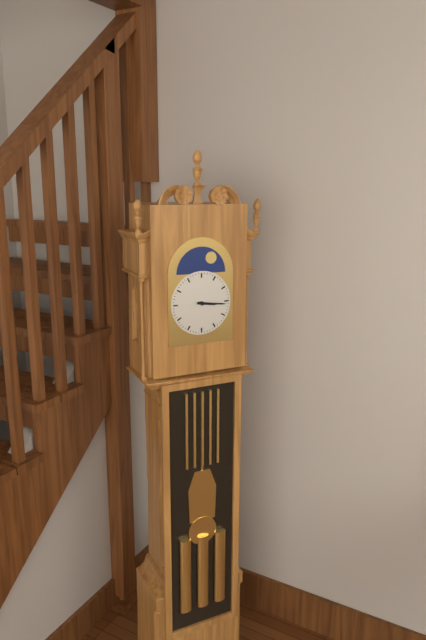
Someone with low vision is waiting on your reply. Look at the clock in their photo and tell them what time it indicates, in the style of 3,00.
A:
3,16
